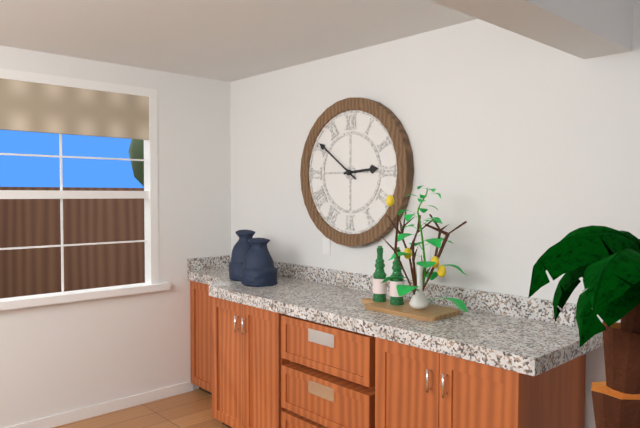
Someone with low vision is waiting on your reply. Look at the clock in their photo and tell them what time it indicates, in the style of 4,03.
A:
2,51
